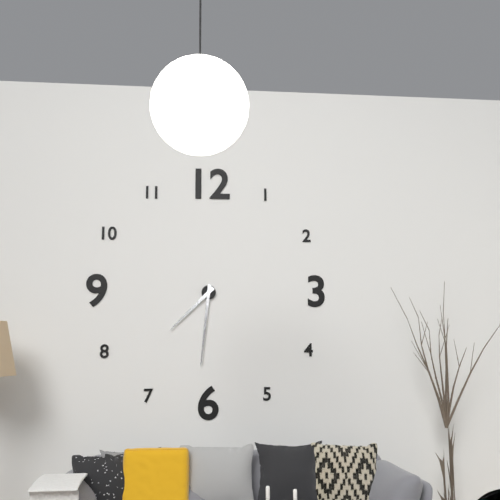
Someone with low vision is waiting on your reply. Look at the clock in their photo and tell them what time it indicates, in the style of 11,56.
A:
7,31
